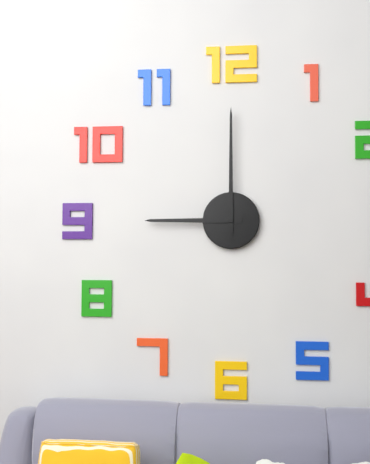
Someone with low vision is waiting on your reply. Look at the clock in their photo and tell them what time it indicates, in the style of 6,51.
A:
9,00
